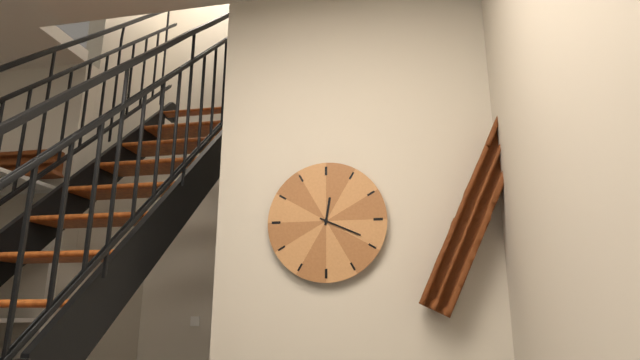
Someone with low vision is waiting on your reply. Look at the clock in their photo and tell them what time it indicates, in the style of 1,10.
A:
12,19
